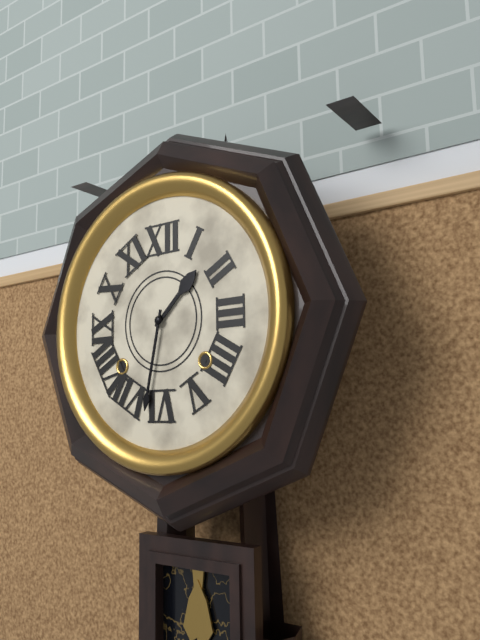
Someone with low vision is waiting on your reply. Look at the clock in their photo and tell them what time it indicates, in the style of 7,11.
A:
1,32
